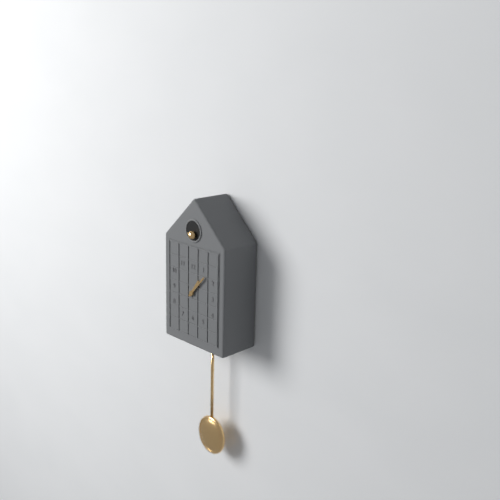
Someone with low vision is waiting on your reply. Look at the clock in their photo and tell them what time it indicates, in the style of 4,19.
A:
1,07
